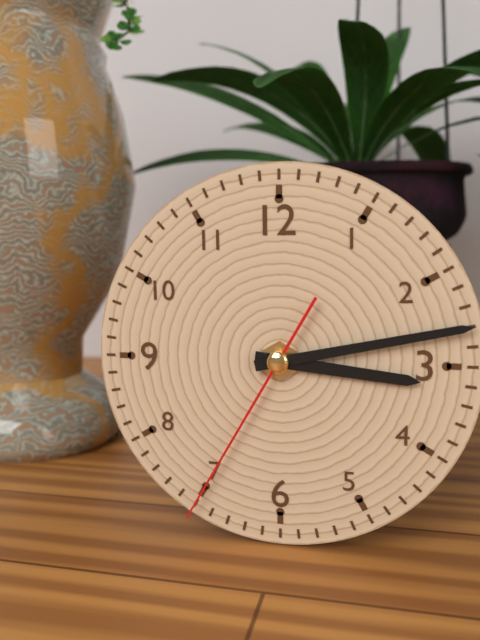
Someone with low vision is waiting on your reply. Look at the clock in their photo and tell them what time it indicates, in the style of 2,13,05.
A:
3,13,35
